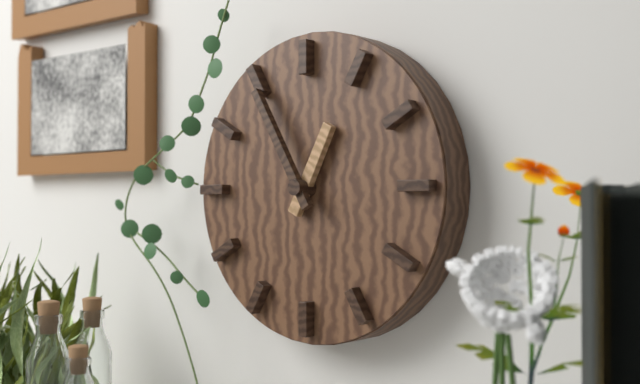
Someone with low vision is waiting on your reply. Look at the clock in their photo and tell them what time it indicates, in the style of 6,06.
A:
12,55
